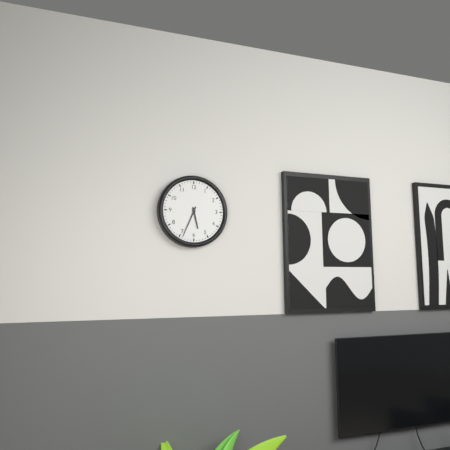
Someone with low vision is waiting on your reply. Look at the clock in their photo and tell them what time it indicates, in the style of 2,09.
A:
5,34
